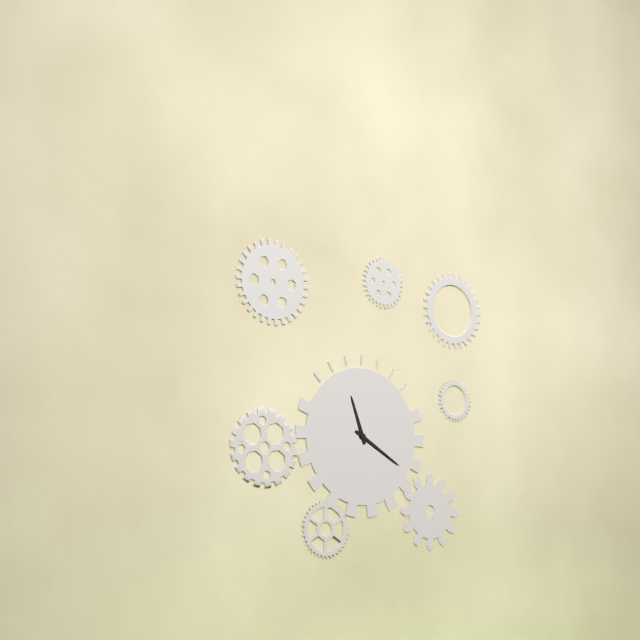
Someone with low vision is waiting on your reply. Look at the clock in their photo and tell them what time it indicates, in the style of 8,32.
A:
11,20
